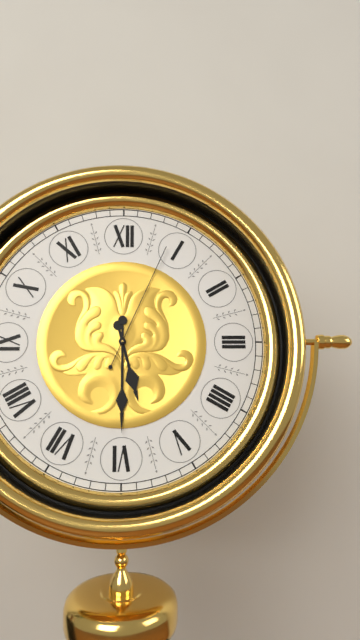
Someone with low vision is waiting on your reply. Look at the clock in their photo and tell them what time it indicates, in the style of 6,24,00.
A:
5,30,04
